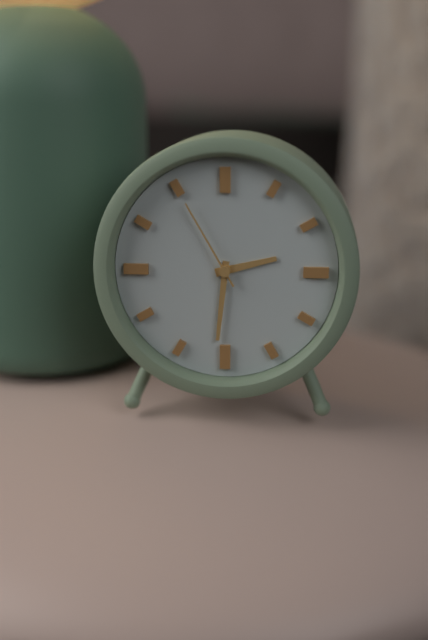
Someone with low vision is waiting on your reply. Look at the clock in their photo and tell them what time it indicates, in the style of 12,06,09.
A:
2,31,55
